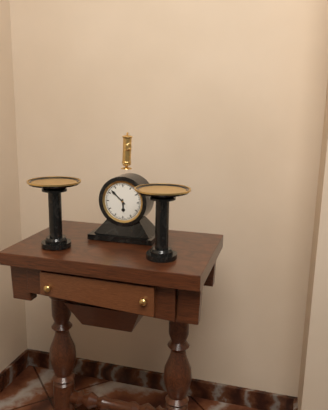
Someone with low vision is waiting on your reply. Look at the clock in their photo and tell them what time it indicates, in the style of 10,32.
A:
5,52
